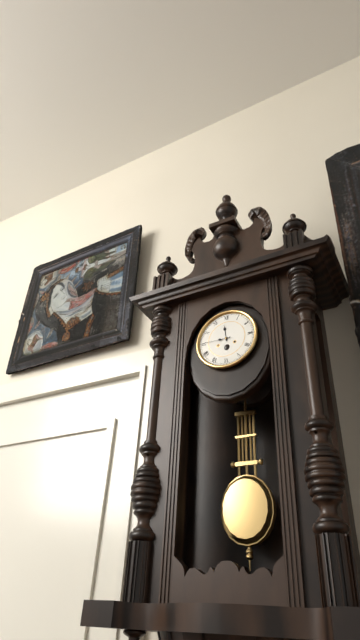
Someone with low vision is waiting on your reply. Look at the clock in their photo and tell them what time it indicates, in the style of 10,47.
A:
11,45
